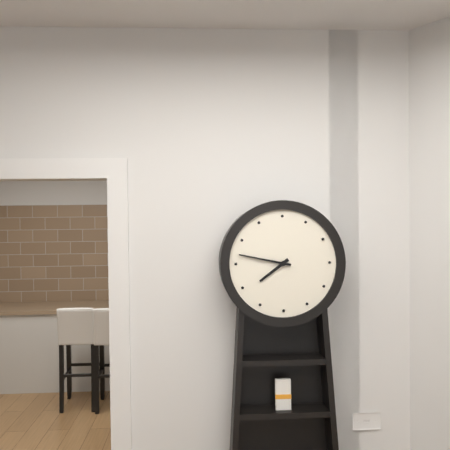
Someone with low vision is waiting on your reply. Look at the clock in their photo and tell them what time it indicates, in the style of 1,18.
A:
7,47
